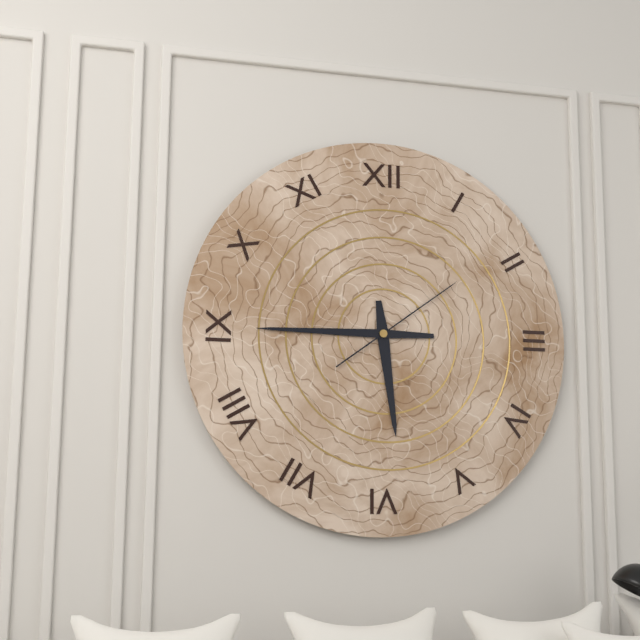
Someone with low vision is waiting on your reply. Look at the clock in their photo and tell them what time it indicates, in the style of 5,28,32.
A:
5,45,09
